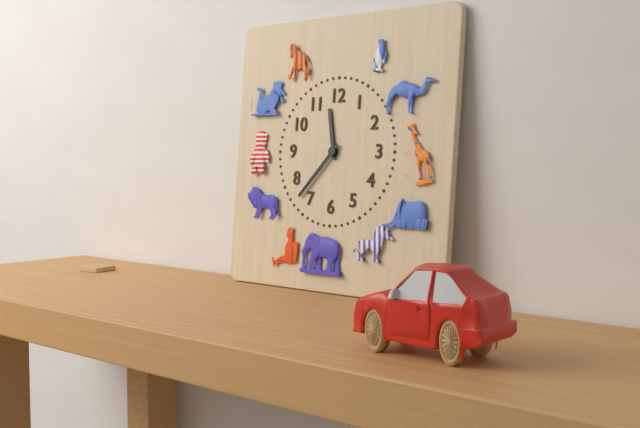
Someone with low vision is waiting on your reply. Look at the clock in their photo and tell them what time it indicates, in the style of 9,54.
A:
11,37
